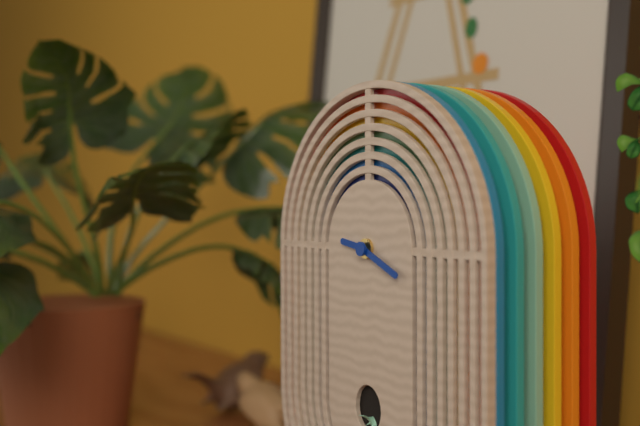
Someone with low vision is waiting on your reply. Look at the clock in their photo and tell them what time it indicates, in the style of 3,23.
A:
9,19
